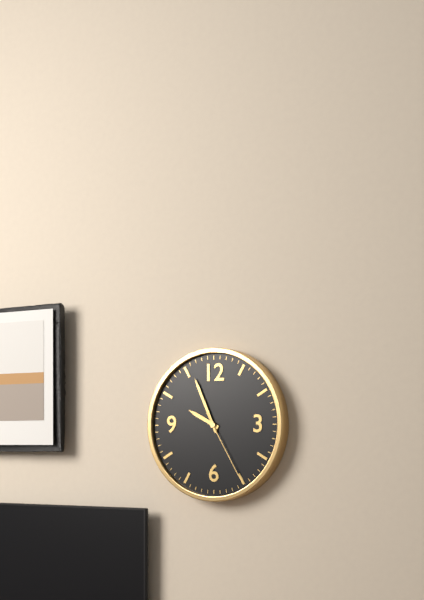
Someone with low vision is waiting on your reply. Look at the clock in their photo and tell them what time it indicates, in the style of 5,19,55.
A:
9,56,25
